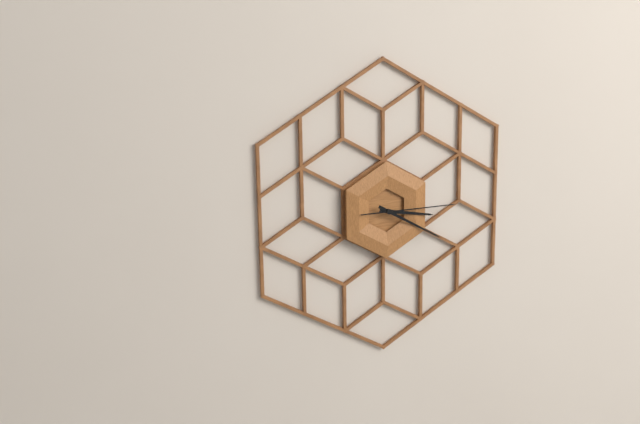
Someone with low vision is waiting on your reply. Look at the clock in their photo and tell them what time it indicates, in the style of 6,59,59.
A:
3,20,15
